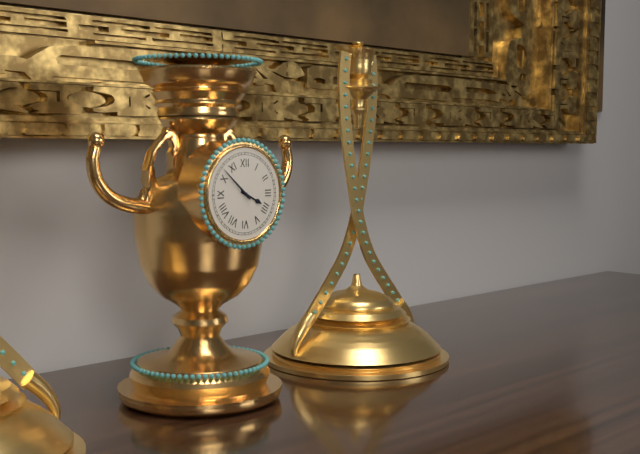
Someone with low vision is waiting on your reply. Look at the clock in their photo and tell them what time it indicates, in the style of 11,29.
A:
3,52
